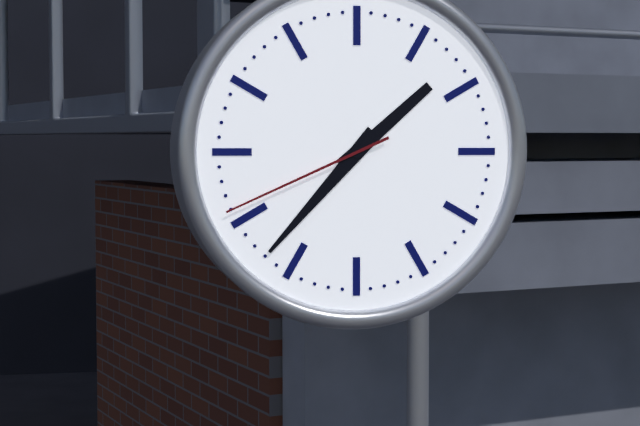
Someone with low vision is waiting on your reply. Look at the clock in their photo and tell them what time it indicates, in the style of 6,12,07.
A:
1,37,41
